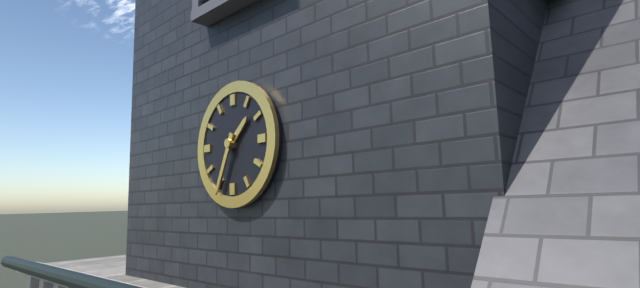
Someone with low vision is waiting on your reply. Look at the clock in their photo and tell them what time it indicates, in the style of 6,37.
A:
1,34
